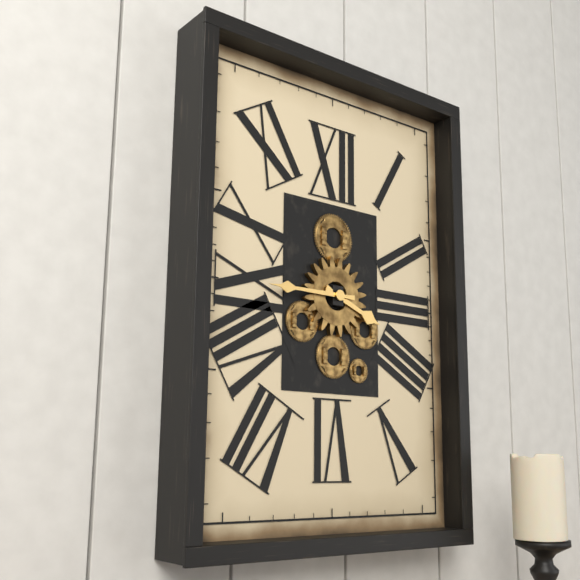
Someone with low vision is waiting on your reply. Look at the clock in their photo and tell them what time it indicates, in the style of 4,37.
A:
3,45
